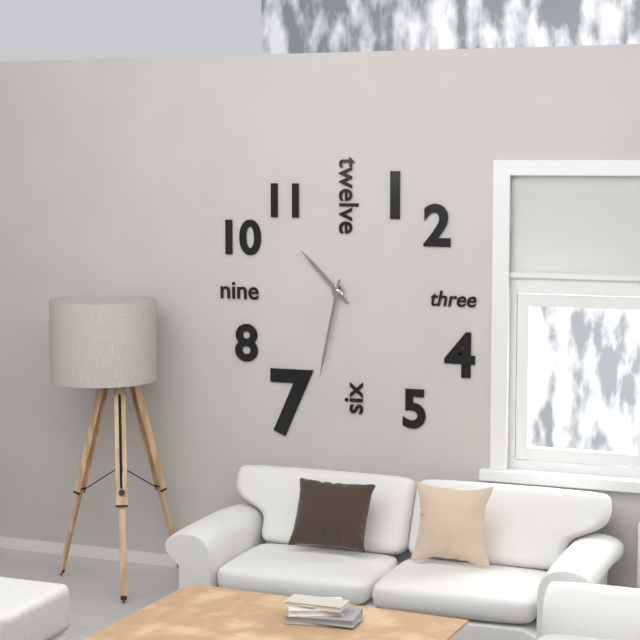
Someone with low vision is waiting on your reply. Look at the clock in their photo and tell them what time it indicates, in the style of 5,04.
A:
10,32
